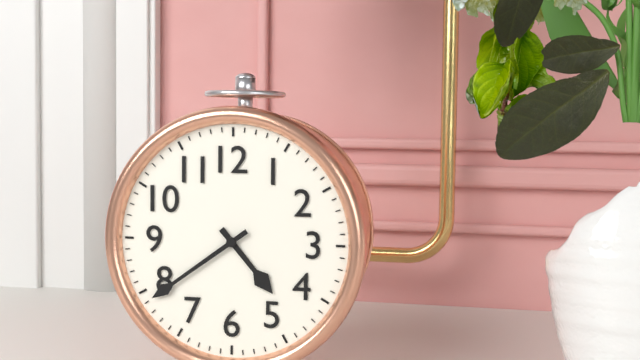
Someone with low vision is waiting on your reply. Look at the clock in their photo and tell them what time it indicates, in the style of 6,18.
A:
4,39
